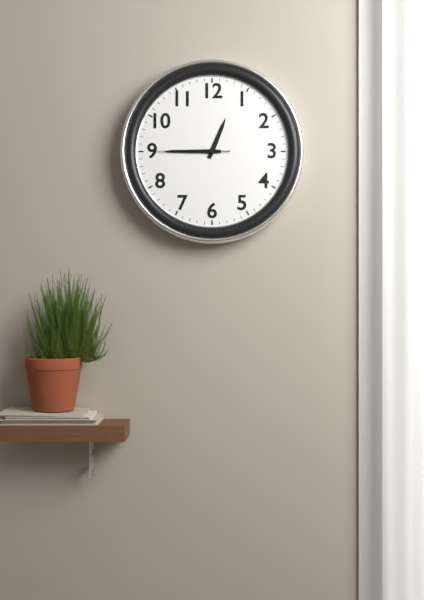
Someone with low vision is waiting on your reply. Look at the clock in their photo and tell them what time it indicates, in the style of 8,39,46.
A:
12,45,45
